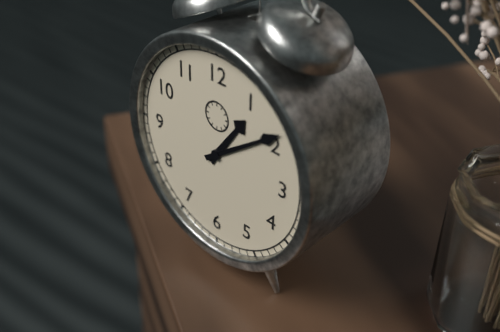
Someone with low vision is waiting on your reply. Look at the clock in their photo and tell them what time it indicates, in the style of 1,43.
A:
1,09
